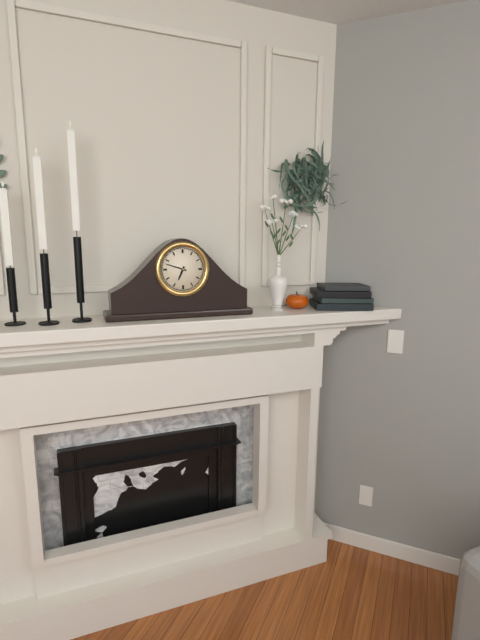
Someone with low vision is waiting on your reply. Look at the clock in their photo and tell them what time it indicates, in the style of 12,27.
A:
6,48
